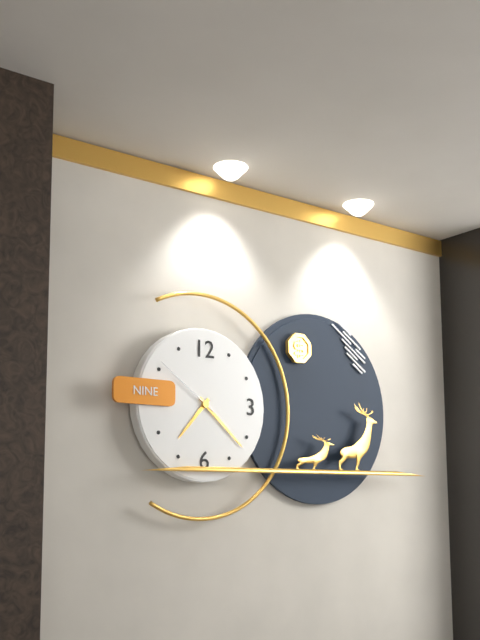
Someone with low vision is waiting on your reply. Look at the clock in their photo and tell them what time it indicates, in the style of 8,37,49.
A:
7,22,51
